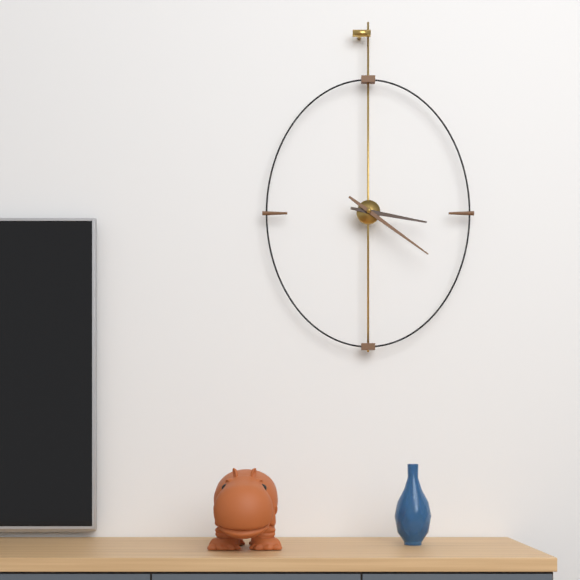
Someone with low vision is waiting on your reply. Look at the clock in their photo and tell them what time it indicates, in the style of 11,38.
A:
3,21
